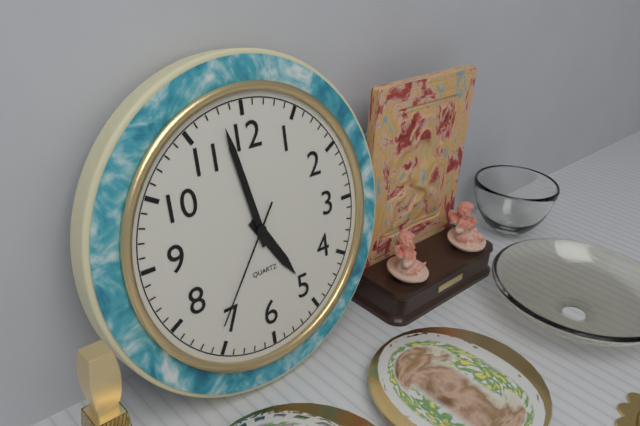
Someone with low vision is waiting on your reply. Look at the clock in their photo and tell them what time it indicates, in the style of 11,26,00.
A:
4,58,36
